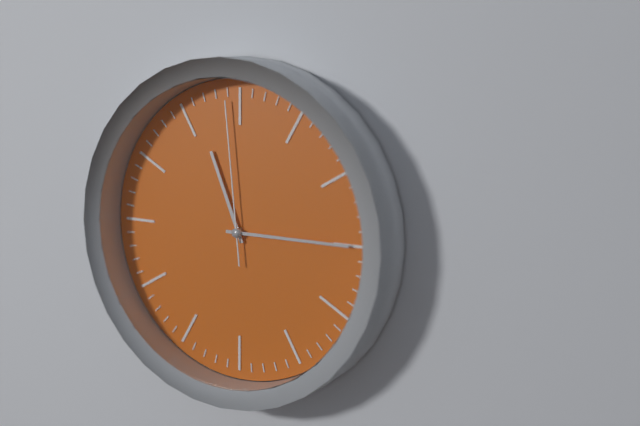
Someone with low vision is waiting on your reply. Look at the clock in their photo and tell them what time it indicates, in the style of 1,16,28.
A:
11,15,59
